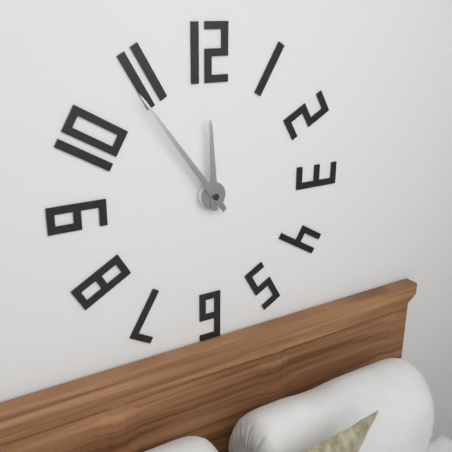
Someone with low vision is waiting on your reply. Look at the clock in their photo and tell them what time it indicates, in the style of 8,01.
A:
11,54
